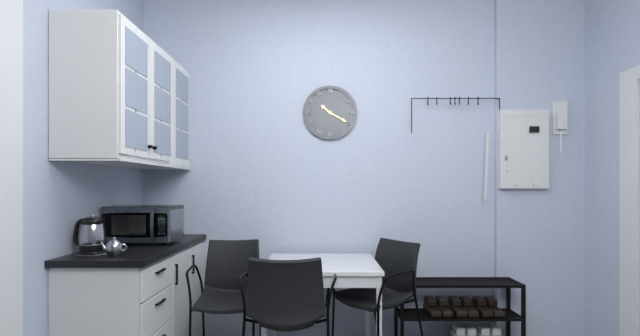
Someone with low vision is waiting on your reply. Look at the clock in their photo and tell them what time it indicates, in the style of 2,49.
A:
10,20
